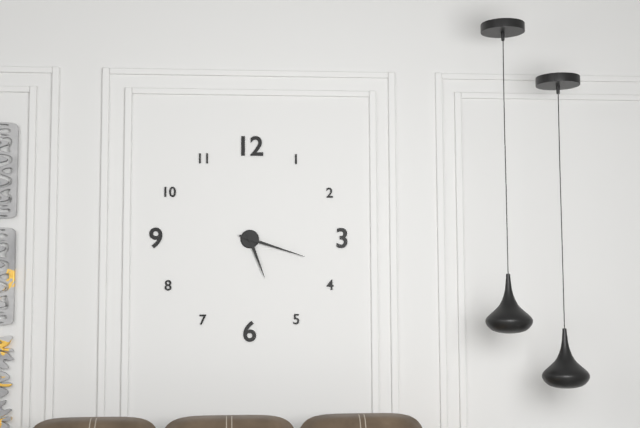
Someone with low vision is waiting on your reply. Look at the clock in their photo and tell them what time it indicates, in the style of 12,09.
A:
5,18
